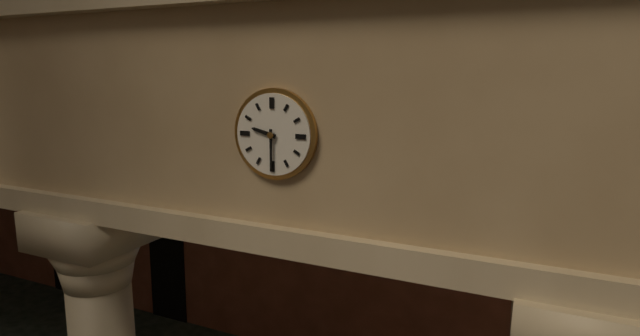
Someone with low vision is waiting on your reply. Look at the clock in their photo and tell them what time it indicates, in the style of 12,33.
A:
9,30
